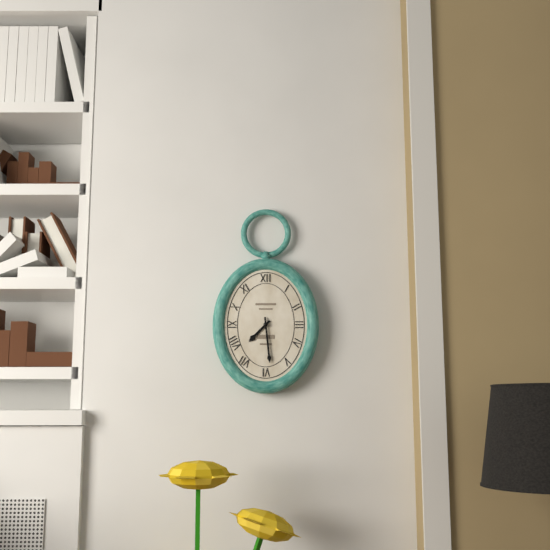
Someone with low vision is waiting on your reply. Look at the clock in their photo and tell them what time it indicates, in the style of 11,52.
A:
7,29
